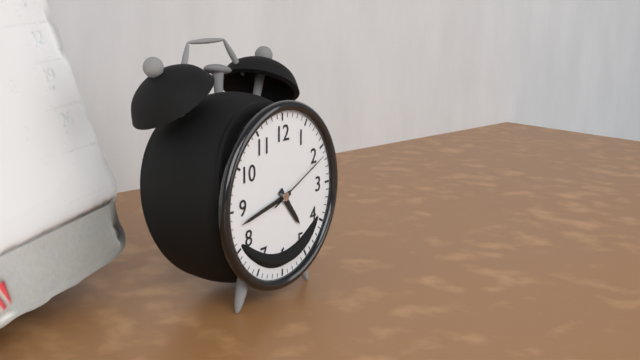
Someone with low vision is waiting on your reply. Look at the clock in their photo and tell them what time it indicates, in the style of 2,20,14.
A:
4,43,11
